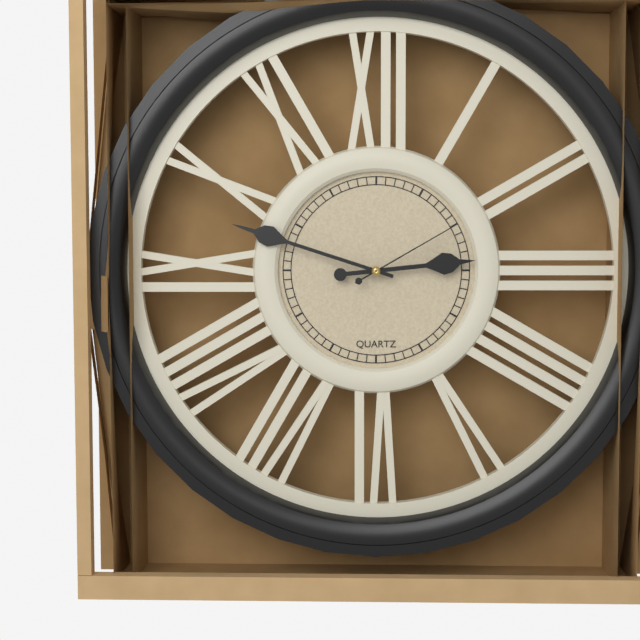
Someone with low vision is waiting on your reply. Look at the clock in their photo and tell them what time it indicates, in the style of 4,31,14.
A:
2,48,10
